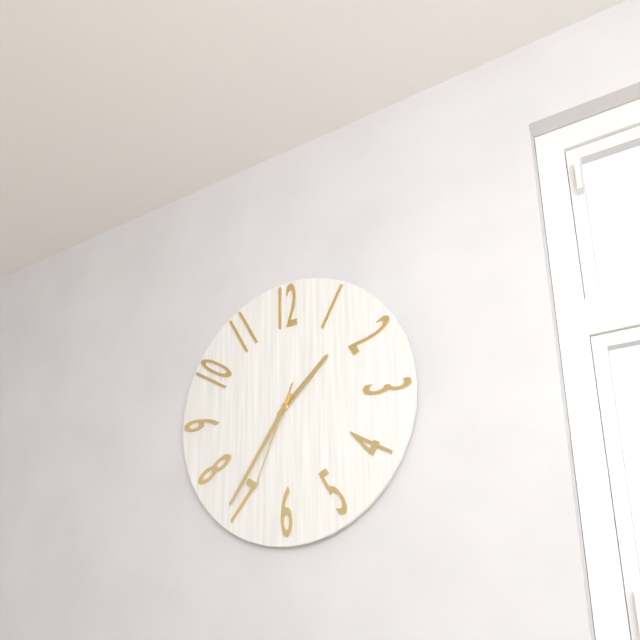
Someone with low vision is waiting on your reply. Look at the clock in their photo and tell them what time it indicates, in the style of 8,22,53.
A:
1,36,34
